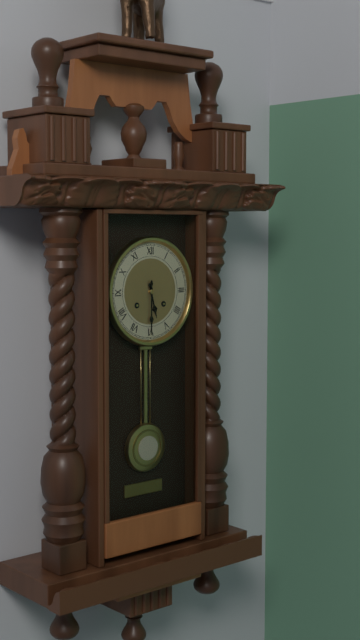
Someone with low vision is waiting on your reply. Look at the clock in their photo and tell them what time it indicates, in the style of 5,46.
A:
5,30
